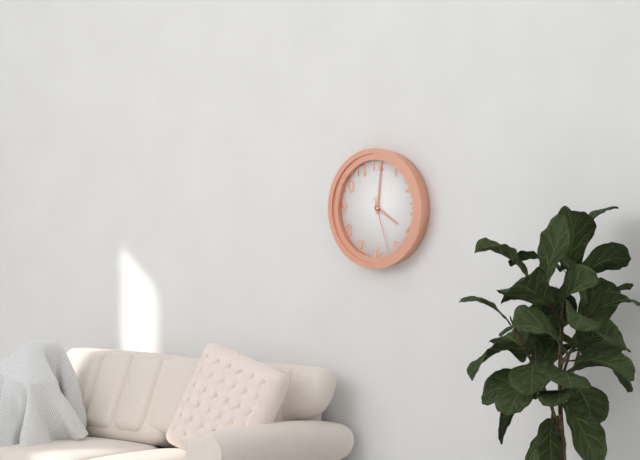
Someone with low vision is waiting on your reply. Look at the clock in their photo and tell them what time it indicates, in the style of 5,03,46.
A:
4,01,27
